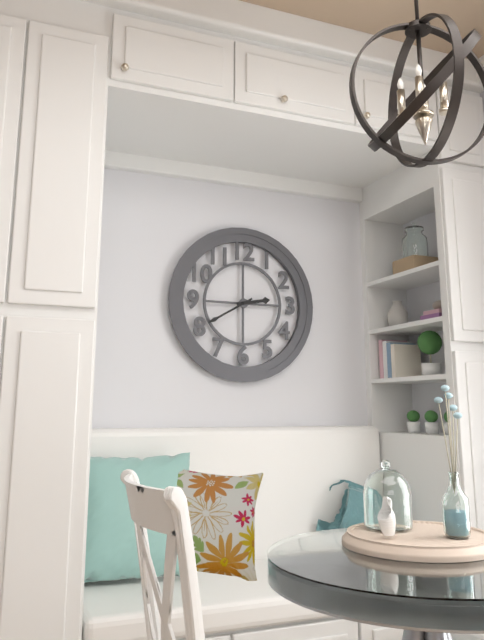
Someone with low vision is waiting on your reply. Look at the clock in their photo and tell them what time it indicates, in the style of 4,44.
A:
2,40
